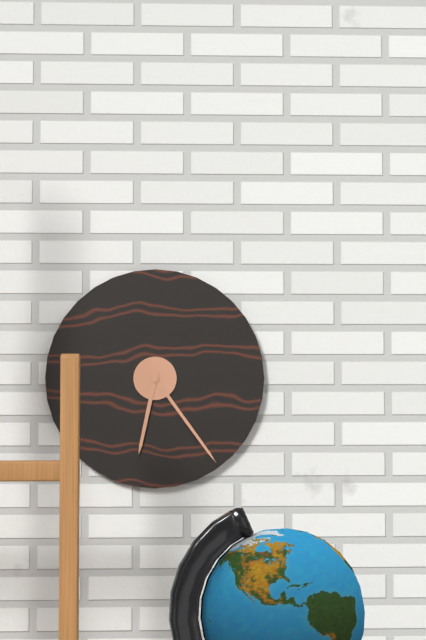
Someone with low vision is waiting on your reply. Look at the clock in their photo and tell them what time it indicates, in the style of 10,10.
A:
6,24
